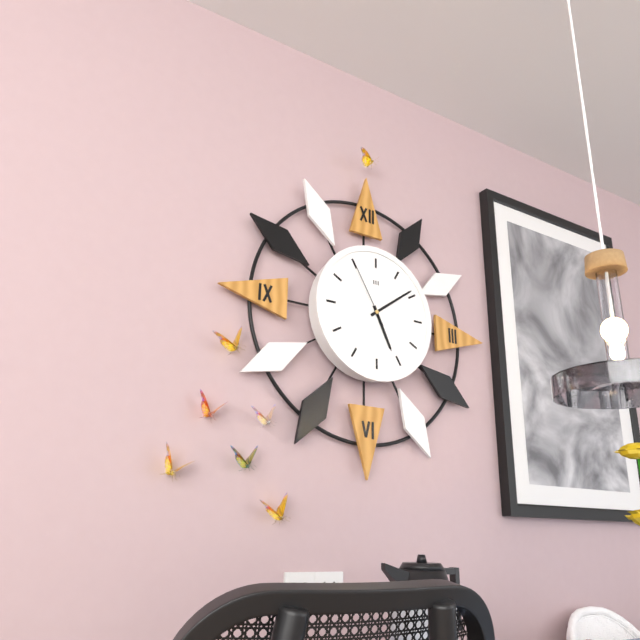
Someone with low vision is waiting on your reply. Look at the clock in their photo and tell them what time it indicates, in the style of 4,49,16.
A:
5,09,55
